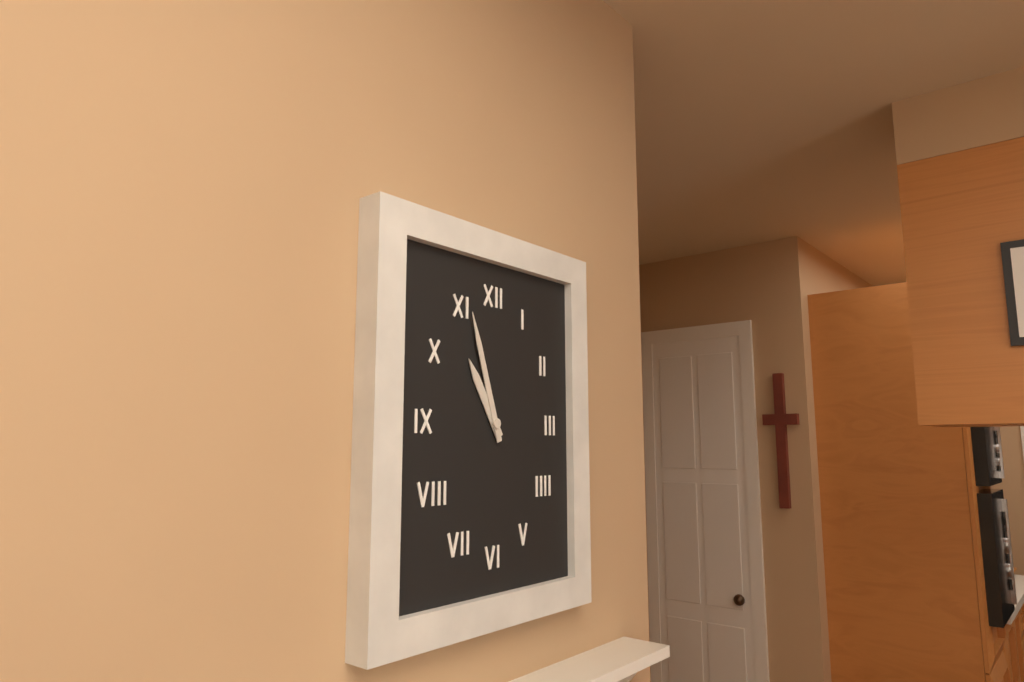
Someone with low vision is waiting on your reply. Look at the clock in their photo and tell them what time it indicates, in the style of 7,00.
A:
10,57
